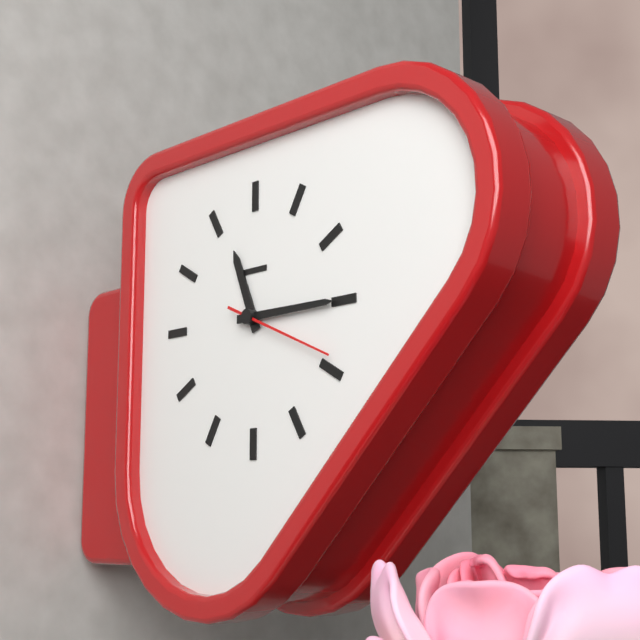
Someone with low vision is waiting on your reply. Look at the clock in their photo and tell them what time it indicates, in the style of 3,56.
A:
11,15
